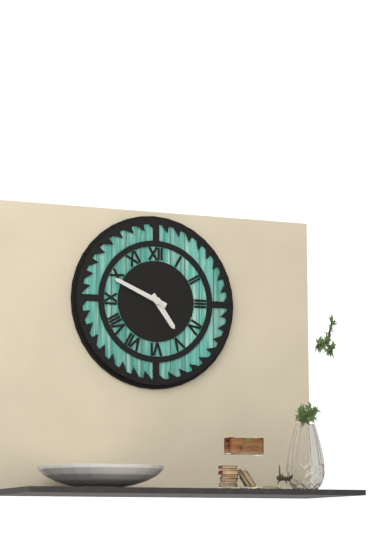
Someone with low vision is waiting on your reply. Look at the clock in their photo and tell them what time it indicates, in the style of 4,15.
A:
4,49
